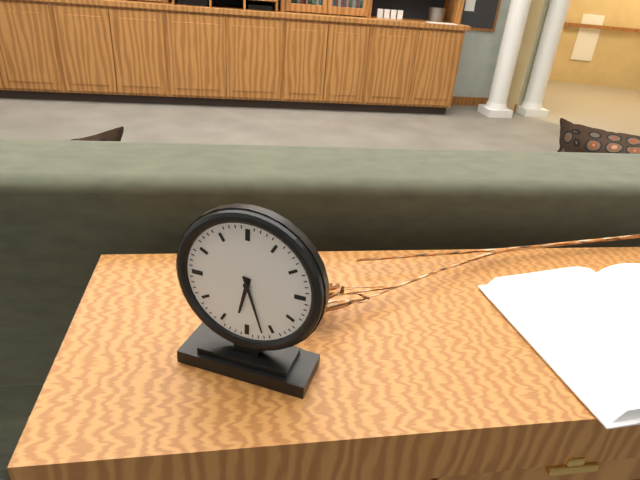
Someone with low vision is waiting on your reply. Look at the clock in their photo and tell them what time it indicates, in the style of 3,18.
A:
6,27
